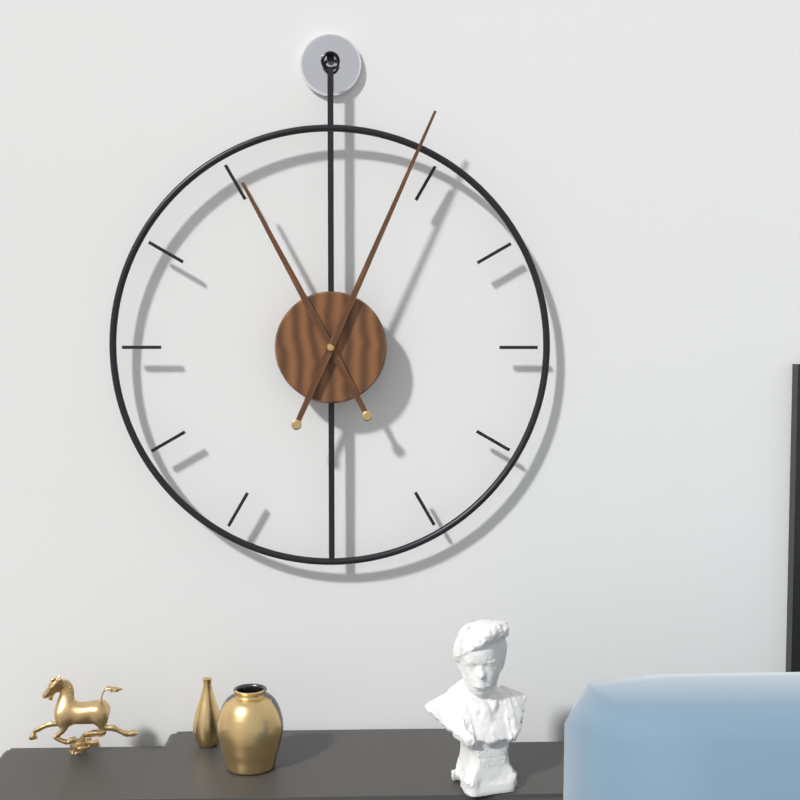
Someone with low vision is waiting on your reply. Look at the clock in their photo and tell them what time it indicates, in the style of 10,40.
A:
11,04
